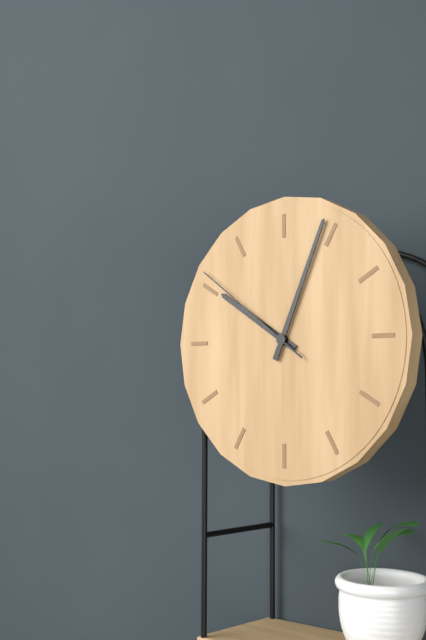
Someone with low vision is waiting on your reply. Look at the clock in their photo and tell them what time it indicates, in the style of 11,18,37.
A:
10,04,51
